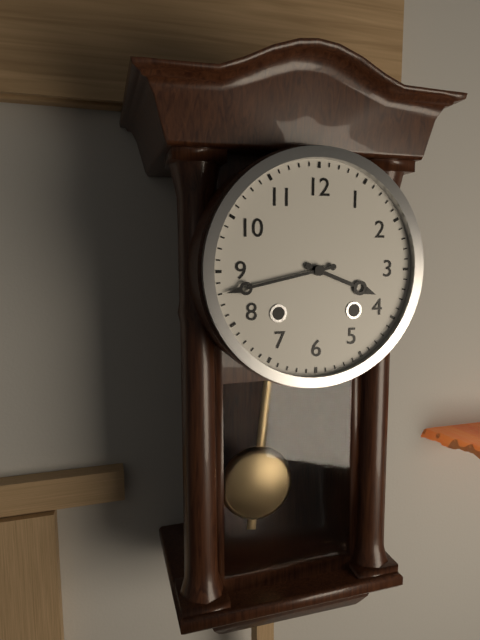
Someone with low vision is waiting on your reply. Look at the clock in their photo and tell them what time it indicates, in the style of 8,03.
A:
3,43
